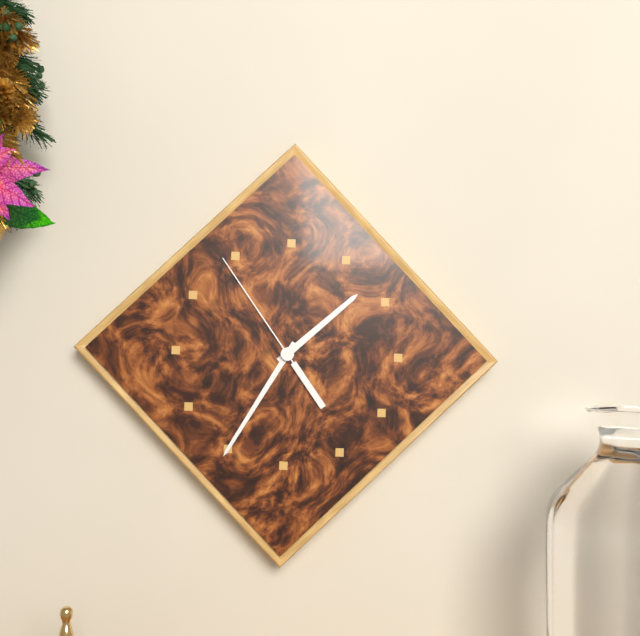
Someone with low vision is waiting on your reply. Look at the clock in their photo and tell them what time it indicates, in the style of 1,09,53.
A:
1,35,54
